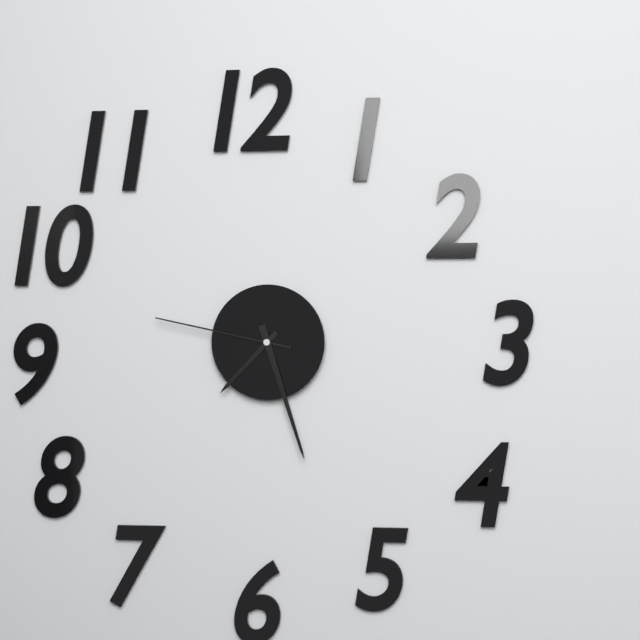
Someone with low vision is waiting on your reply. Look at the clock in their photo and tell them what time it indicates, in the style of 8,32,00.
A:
7,27,47
